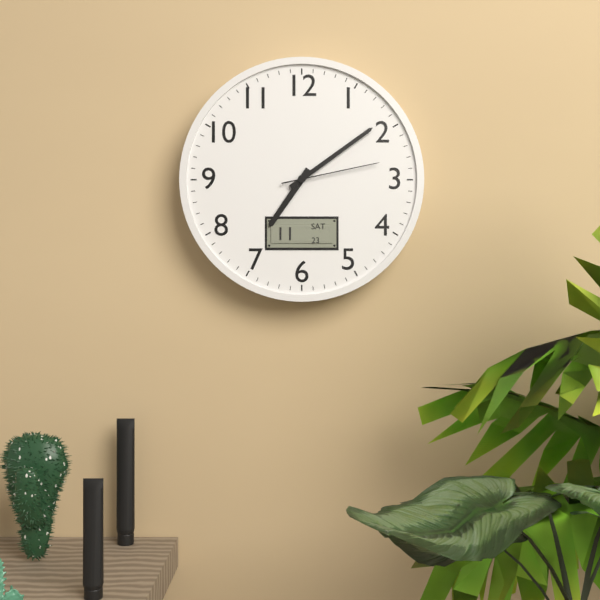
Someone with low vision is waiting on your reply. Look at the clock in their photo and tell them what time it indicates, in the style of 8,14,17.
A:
7,09,13
